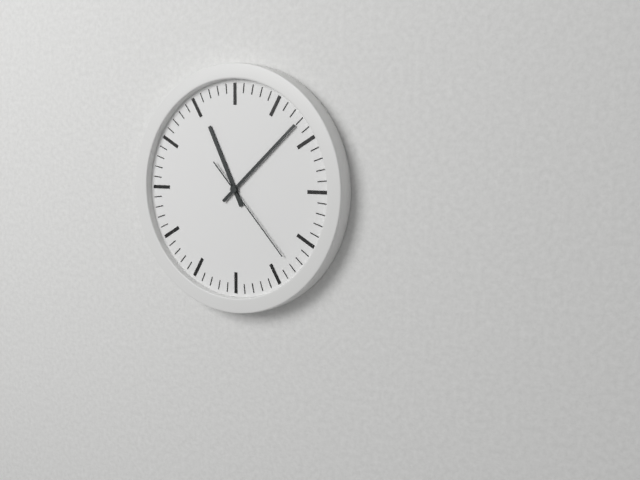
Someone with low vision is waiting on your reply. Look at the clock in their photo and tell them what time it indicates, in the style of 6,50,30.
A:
11,08,23
